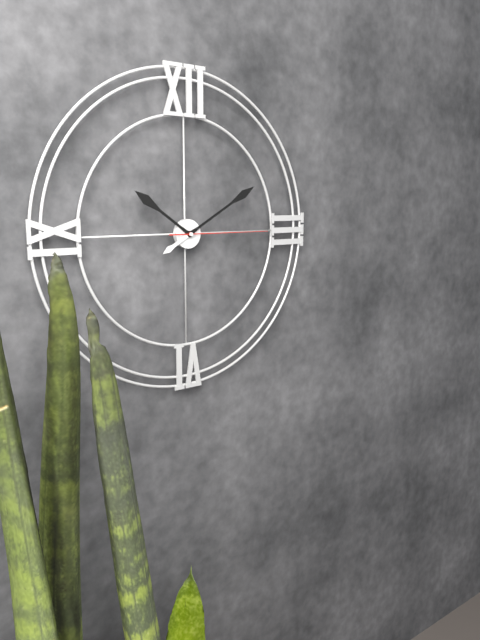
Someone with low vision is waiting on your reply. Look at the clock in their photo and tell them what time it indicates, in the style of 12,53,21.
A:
10,10,15
